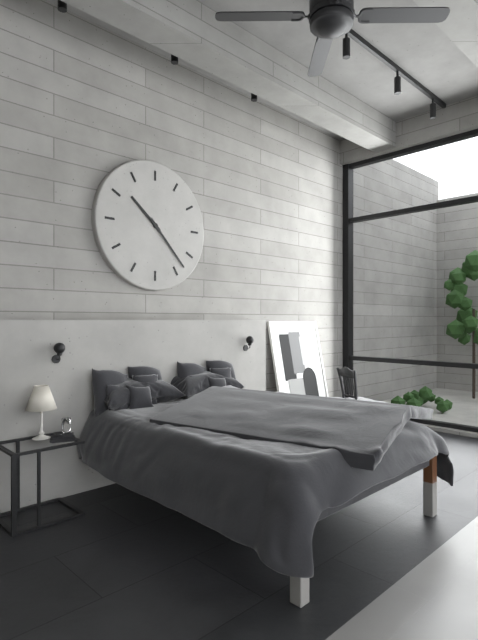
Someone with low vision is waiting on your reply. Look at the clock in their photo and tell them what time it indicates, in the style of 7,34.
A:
10,23
